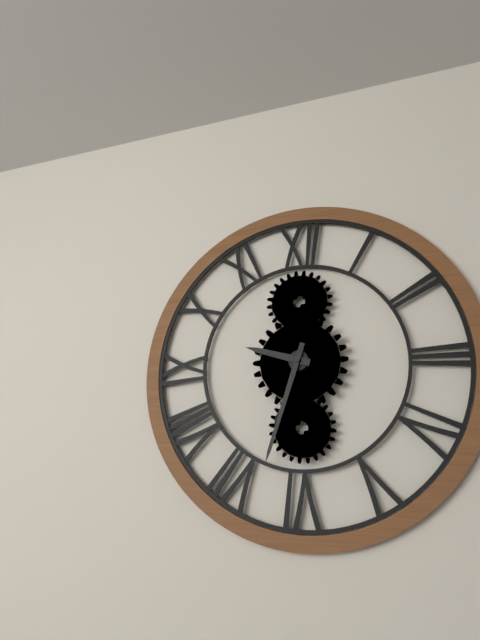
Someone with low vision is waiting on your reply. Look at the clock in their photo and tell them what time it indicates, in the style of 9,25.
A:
9,33
